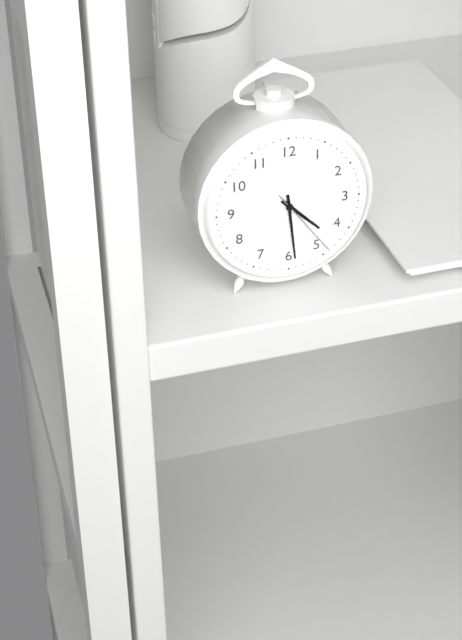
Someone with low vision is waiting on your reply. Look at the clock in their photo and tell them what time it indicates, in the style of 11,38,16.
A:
4,29,24
